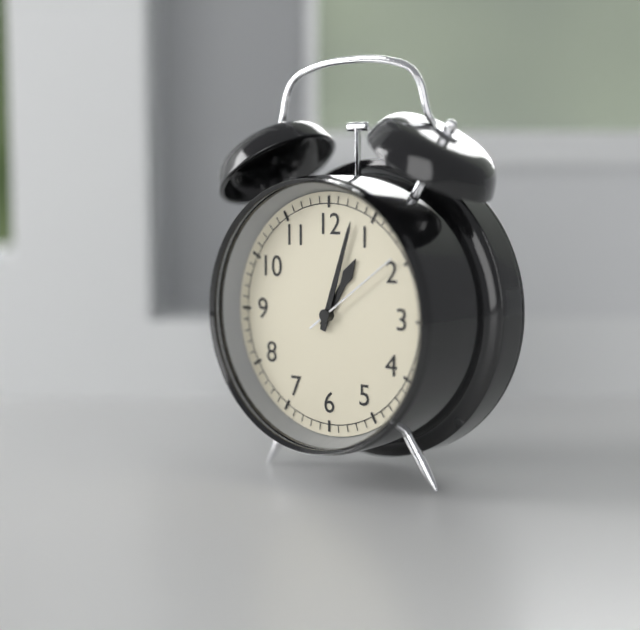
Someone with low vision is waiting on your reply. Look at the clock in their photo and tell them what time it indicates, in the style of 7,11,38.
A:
1,03,09
